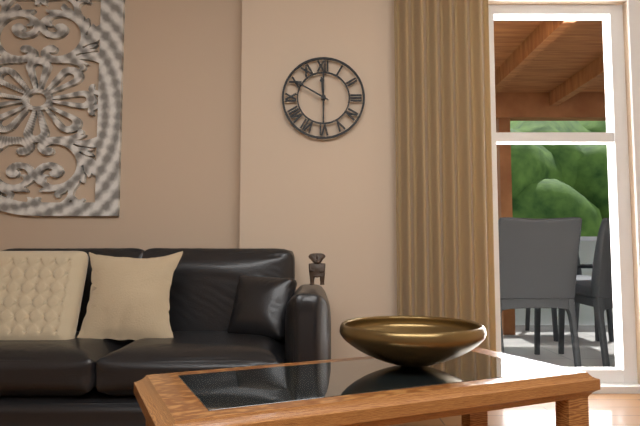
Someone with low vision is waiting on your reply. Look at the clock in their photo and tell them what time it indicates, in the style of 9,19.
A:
11,50
